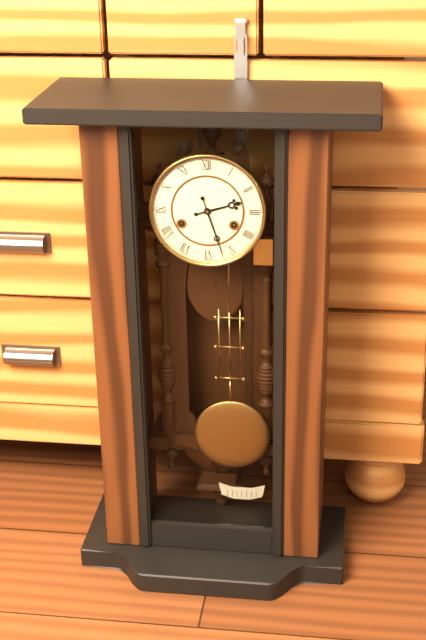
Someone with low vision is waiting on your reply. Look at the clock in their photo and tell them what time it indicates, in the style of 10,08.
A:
2,27
